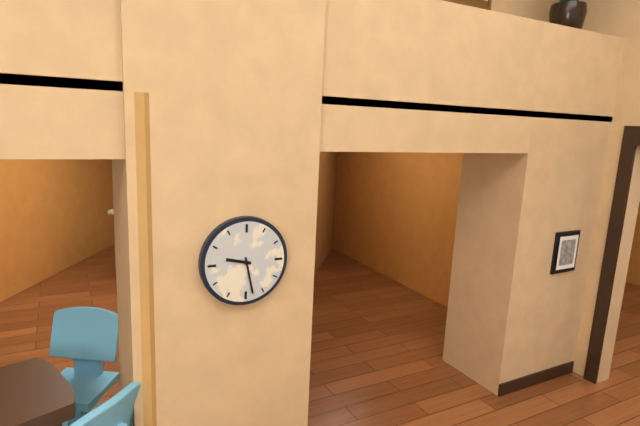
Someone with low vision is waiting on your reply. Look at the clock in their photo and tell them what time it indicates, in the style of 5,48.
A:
9,28
